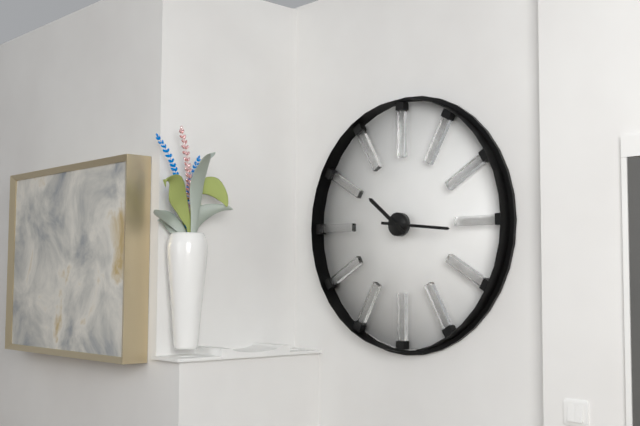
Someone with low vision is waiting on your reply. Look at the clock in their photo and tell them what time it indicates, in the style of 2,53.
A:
10,16
